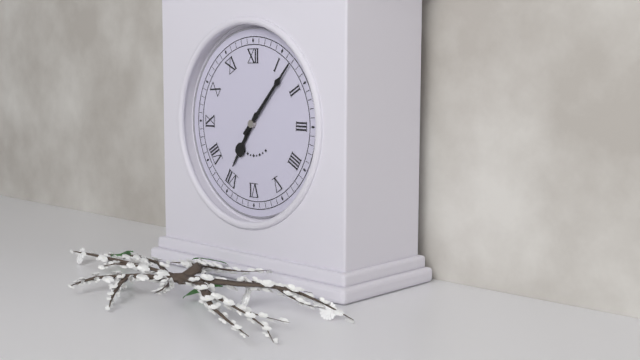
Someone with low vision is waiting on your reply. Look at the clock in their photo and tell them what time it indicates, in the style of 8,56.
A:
7,07
